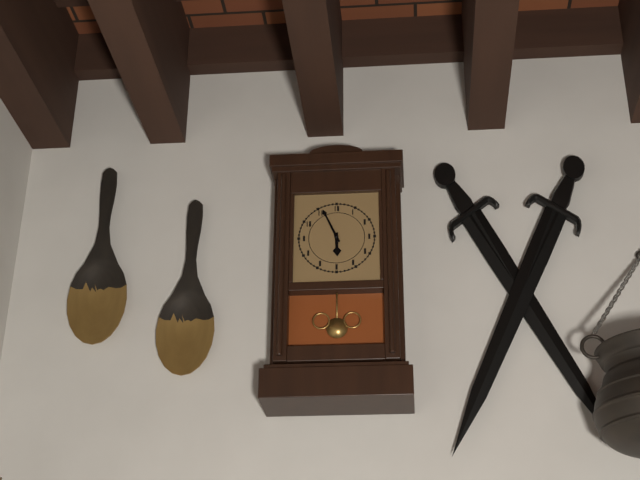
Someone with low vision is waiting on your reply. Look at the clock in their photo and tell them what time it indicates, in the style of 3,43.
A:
5,56
